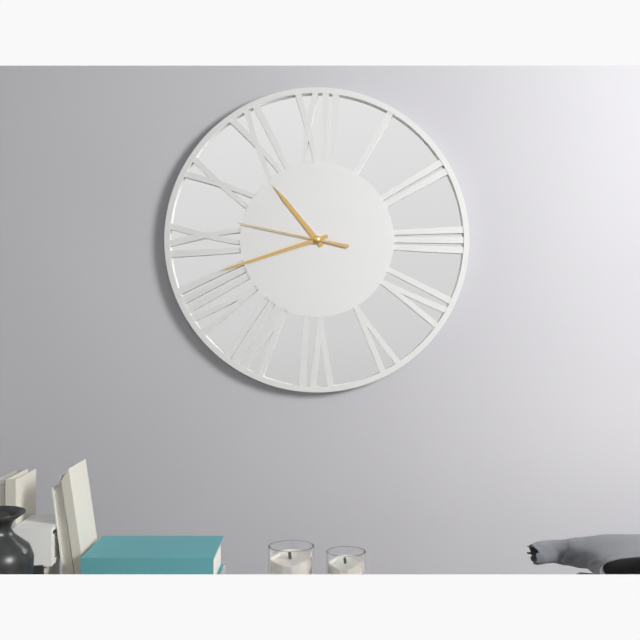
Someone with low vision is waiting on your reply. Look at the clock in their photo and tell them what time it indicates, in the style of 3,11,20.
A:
10,42,47
